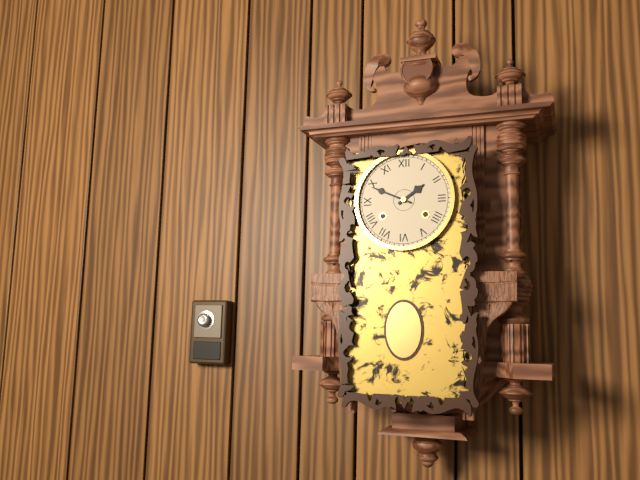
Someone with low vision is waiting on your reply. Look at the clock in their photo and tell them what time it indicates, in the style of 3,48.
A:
1,49
